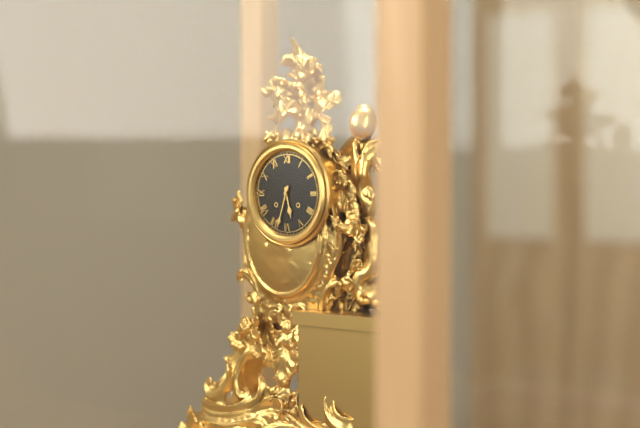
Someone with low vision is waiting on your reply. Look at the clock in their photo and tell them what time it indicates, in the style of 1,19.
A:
5,33
